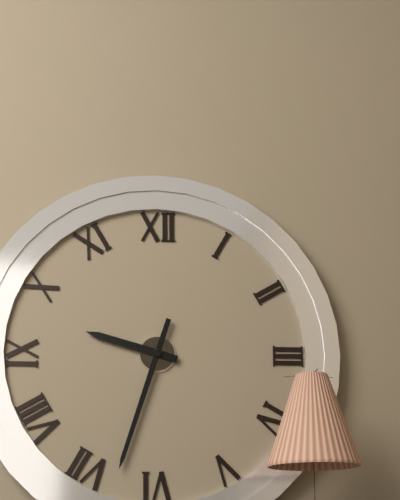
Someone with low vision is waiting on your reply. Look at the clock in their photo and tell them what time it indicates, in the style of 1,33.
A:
9,33
